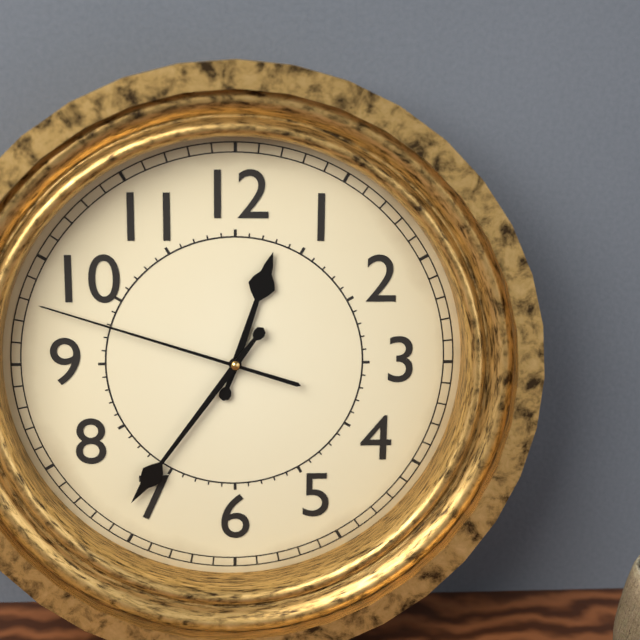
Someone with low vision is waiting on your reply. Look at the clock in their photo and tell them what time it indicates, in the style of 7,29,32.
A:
12,36,48
